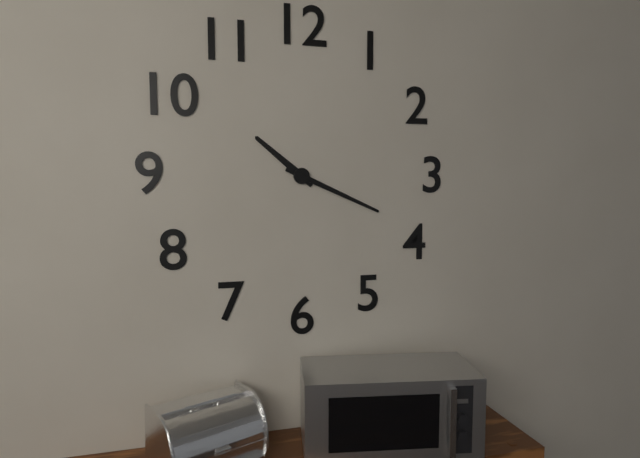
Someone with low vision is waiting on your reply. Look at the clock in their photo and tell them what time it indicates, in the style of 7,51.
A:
10,19
